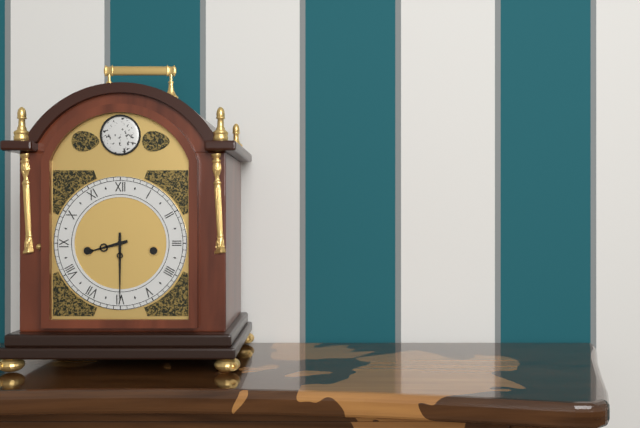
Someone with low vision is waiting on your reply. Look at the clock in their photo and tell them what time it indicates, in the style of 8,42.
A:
8,30
